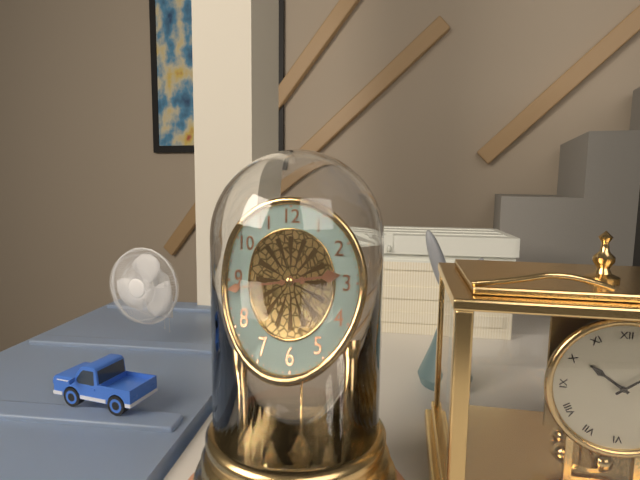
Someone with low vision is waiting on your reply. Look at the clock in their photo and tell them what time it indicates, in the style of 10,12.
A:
2,44
